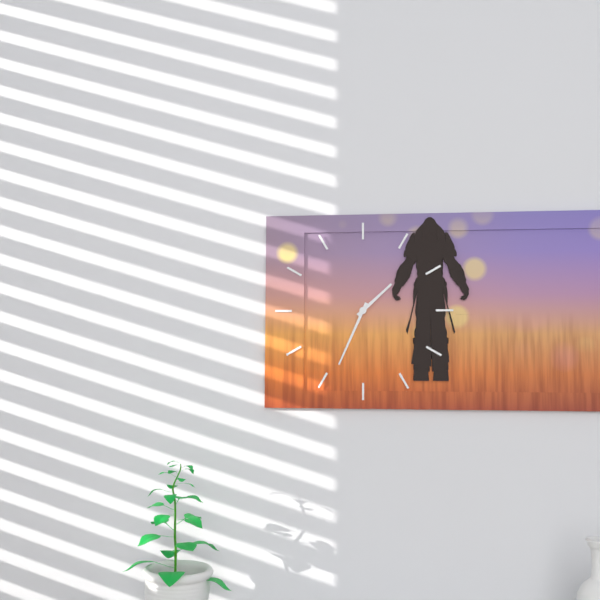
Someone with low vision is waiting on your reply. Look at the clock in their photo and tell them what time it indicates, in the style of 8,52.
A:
1,34
